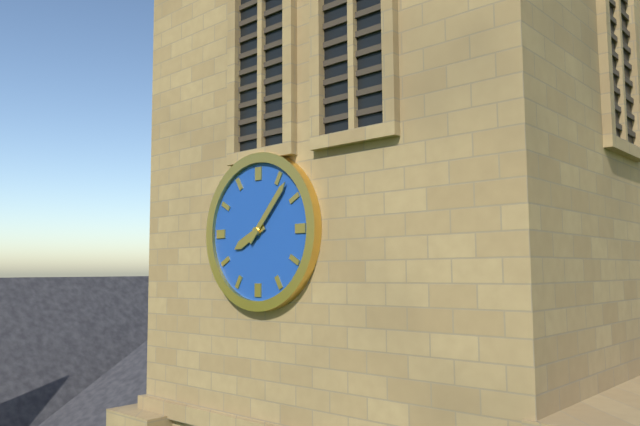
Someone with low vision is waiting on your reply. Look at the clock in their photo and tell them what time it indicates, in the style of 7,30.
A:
8,07
